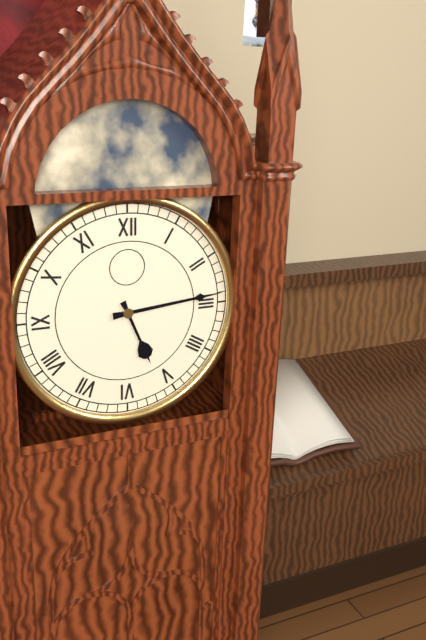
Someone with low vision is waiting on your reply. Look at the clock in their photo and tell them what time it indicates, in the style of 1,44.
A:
5,14
